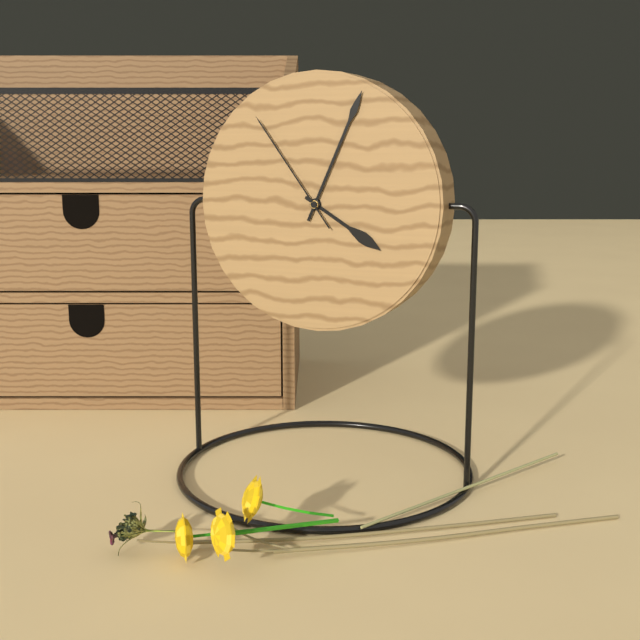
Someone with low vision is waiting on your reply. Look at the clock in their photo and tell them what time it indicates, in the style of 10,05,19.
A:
4,04,54
